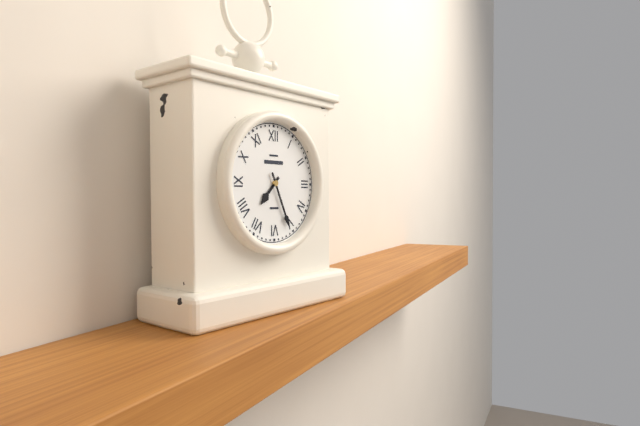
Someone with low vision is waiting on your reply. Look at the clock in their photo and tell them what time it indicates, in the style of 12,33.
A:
7,26
